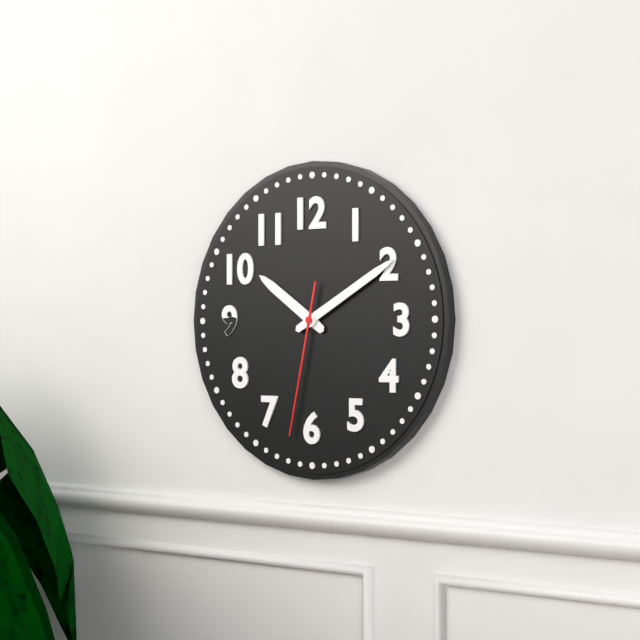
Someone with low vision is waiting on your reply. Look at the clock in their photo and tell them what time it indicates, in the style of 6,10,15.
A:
10,10,32
